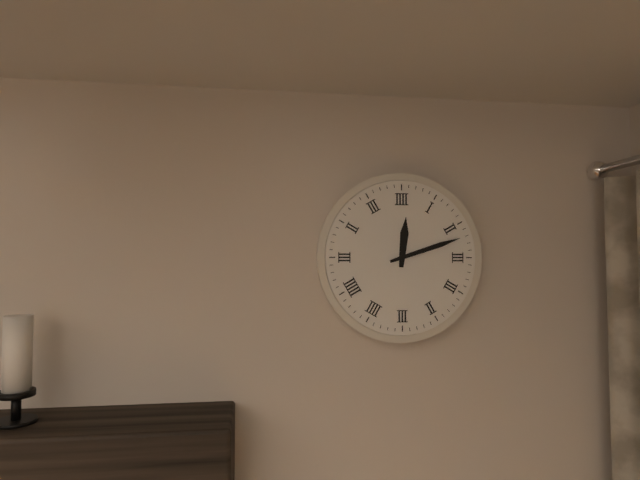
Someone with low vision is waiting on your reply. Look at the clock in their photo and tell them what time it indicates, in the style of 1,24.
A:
12,12
